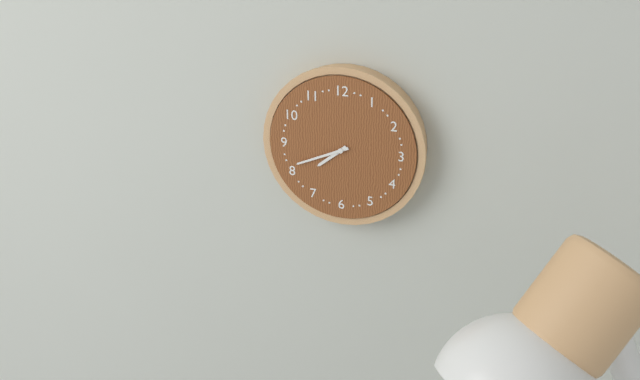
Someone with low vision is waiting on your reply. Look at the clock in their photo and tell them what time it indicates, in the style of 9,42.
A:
7,41
